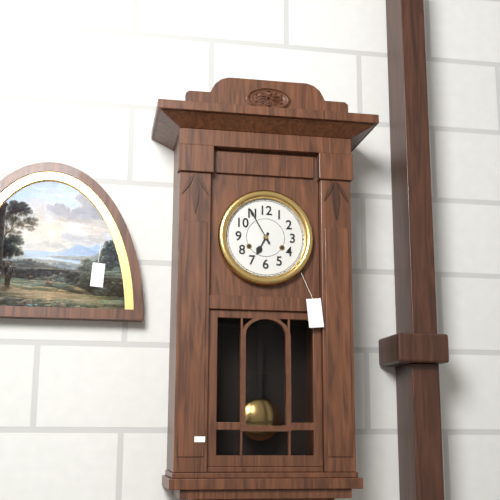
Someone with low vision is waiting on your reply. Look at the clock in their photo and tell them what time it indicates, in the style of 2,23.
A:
6,55
